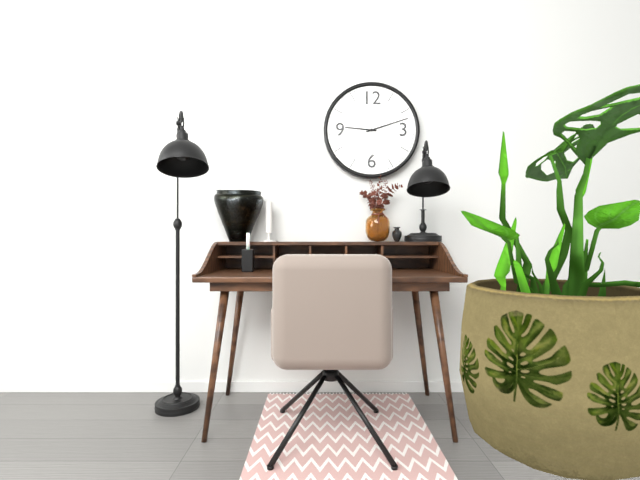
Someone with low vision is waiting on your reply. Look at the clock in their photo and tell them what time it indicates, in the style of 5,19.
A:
9,12
